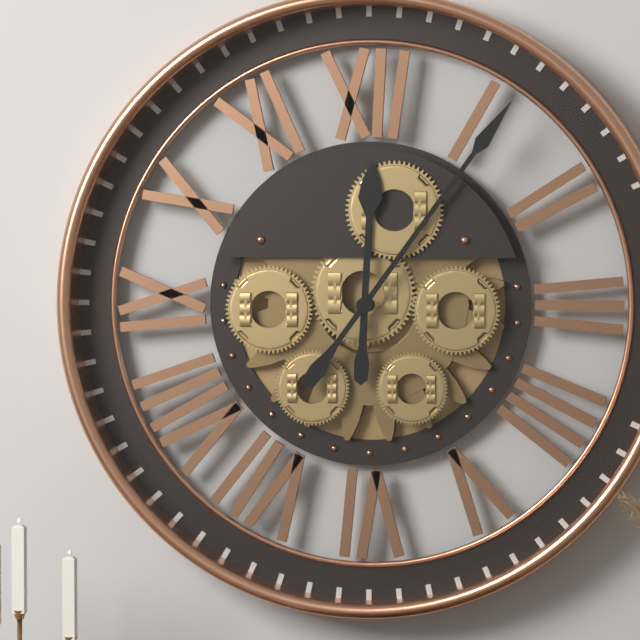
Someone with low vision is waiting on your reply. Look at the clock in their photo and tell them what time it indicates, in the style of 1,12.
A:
12,06
